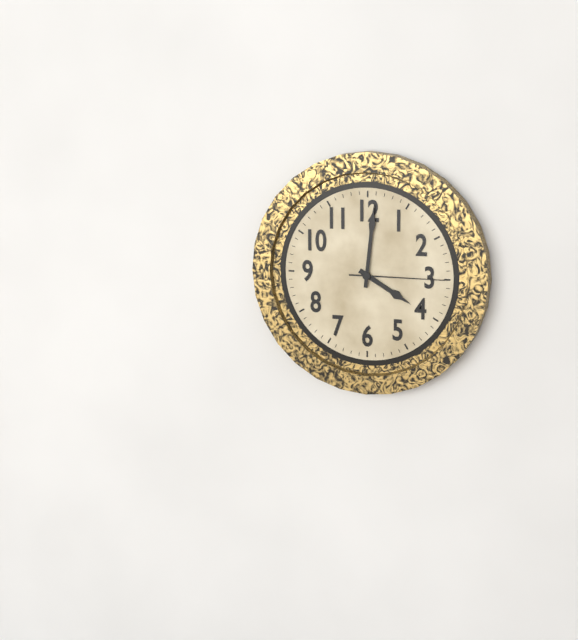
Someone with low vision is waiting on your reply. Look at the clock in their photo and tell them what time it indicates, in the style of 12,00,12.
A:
4,01,15
